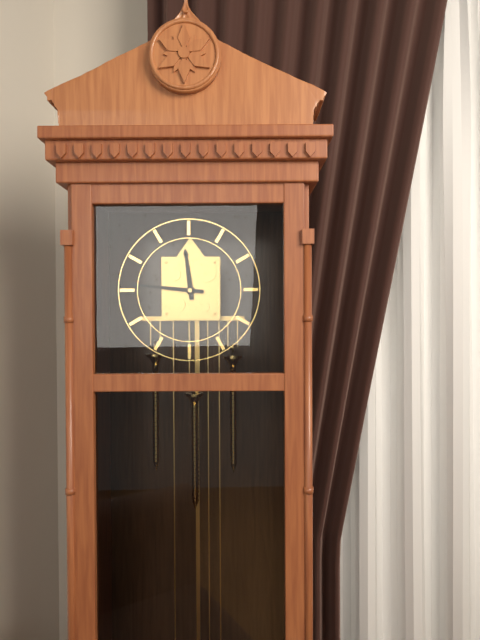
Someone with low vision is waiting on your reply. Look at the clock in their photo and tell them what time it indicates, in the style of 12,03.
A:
11,46
